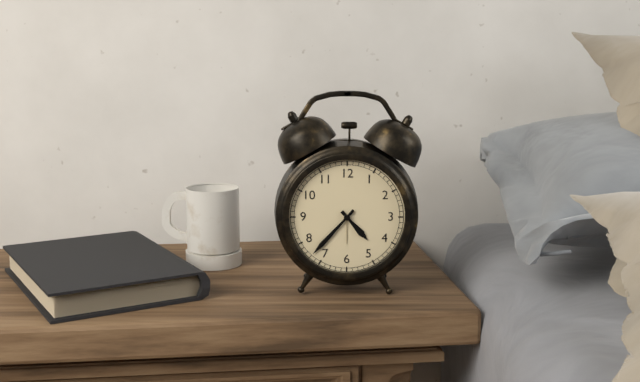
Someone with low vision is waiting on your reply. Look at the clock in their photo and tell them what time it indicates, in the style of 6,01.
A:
4,37
